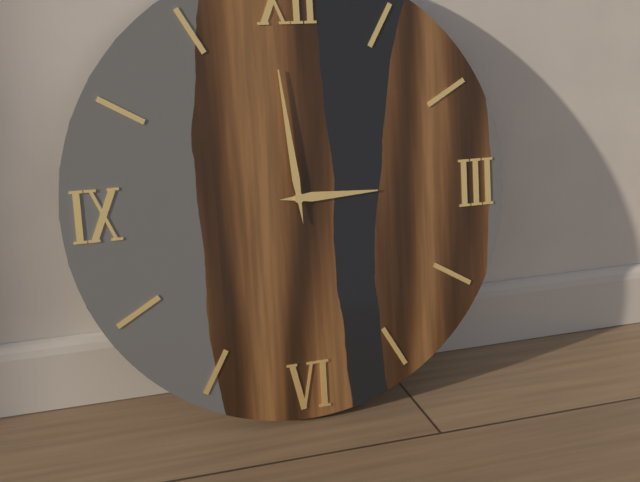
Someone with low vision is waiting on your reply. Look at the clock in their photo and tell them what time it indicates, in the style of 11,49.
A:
2,59
